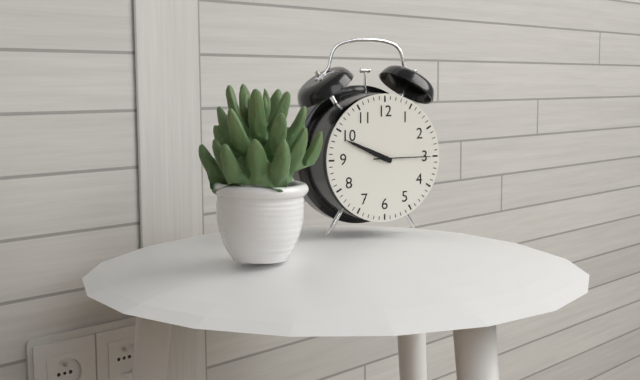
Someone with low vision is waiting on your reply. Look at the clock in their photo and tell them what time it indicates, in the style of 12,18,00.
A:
9,49,15
